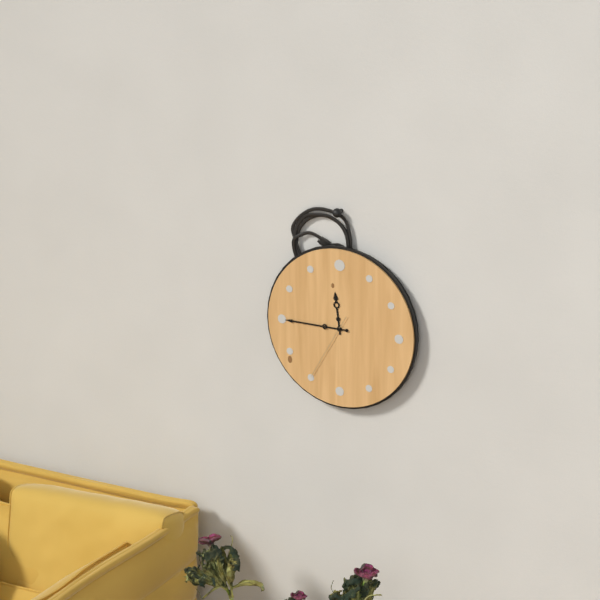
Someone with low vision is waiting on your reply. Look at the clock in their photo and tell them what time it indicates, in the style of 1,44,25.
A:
11,45,35
